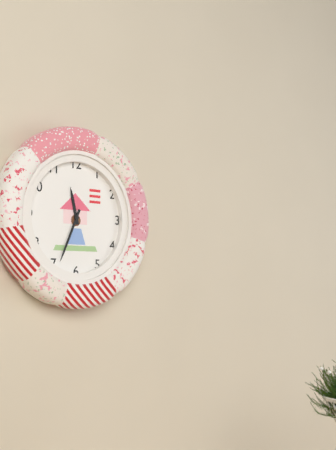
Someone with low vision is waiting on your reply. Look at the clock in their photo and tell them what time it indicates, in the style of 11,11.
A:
11,34
